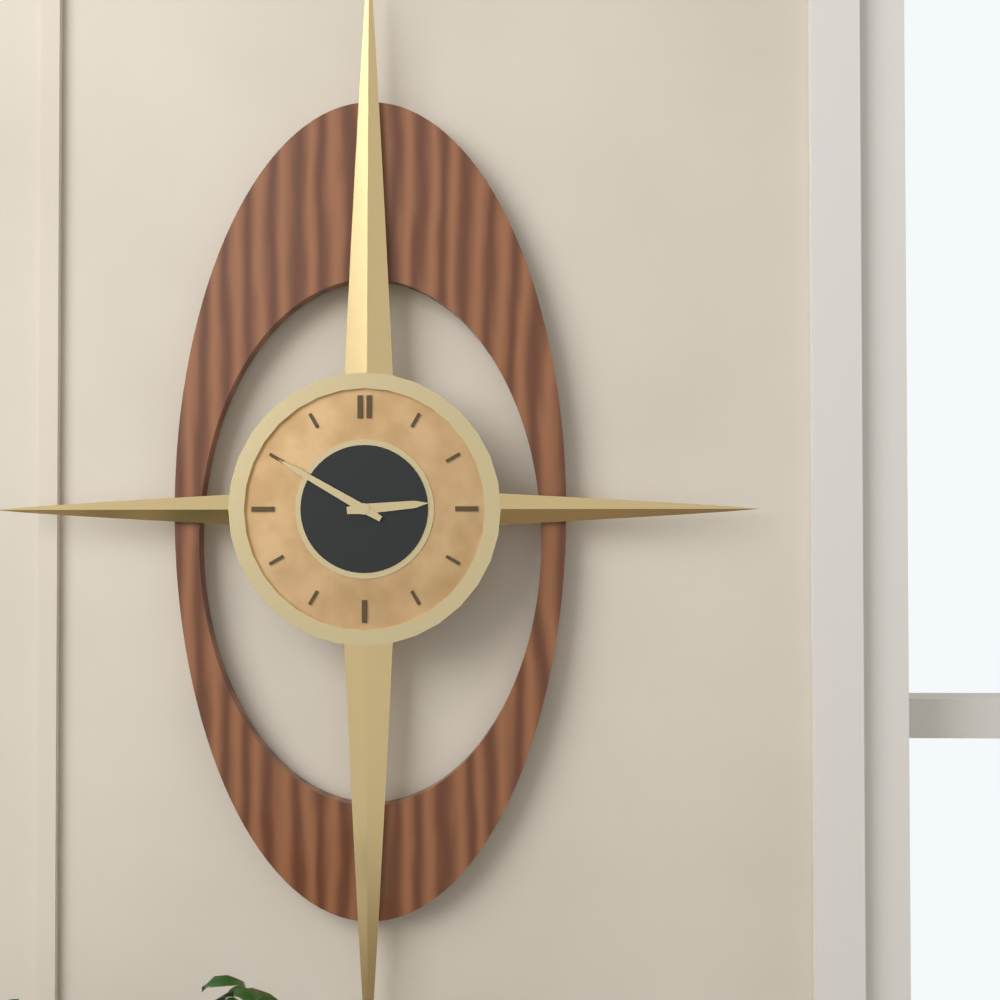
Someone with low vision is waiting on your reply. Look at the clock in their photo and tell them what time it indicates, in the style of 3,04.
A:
2,50
